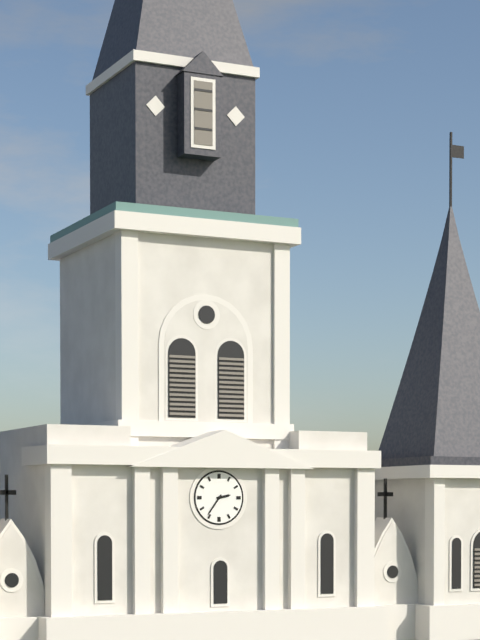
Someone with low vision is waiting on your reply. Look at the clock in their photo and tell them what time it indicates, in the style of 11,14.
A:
2,36
